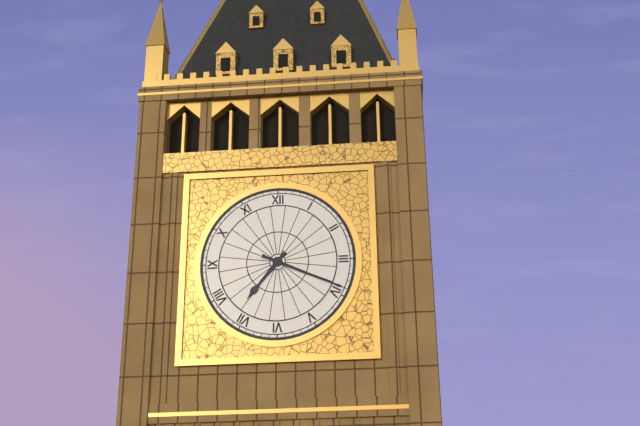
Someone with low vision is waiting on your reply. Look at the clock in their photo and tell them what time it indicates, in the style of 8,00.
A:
7,19
